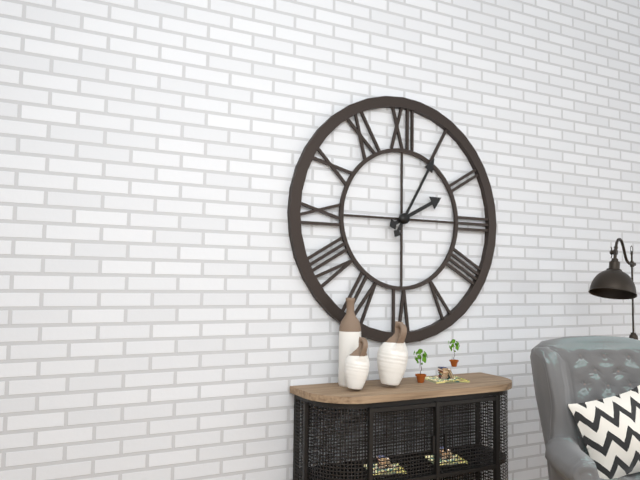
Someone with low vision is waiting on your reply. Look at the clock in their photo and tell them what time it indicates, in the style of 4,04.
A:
2,05
